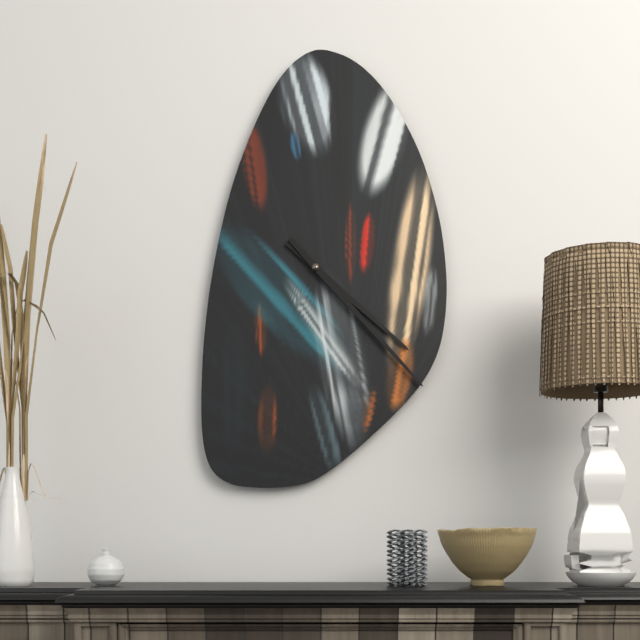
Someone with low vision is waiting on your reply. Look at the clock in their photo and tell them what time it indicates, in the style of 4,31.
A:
4,23
